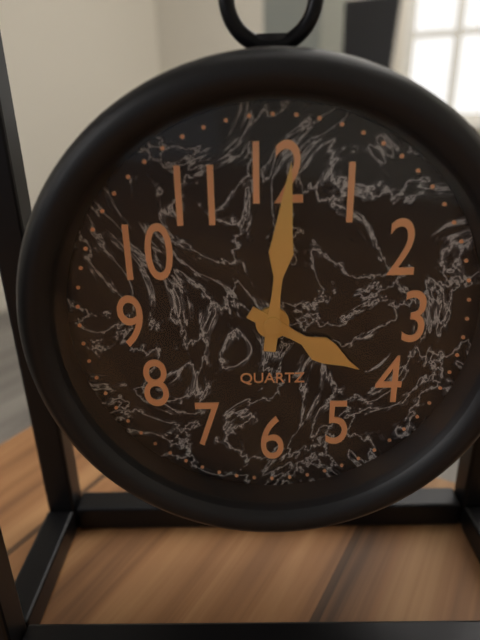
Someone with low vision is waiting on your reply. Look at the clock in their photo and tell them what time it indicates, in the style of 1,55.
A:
4,01
